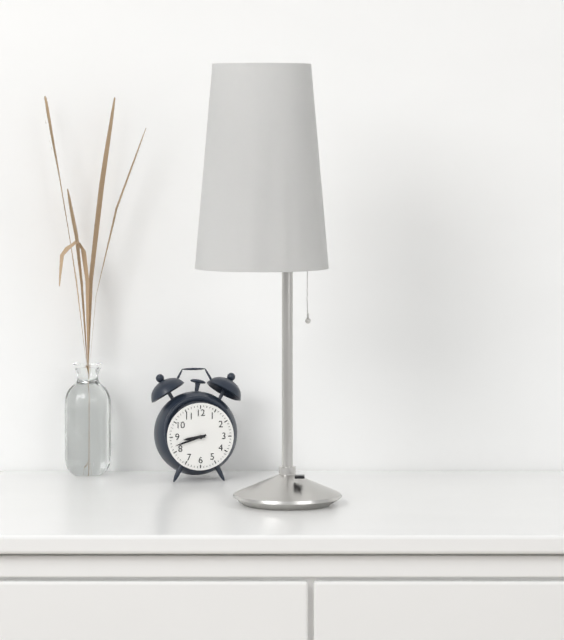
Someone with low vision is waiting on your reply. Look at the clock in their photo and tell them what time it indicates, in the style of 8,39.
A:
8,42
